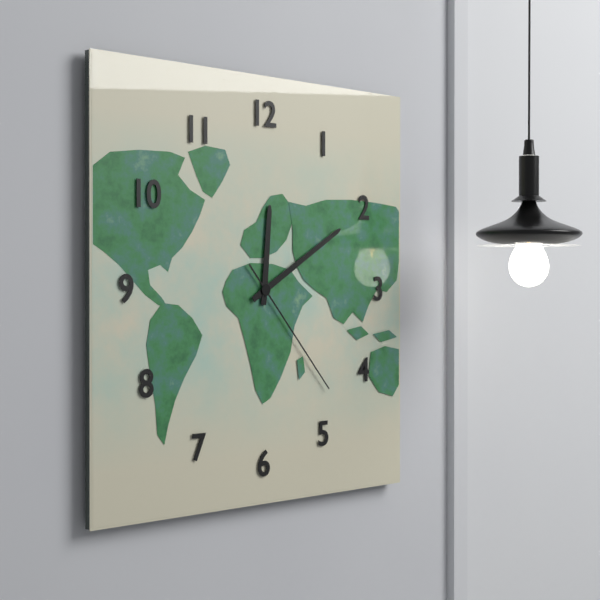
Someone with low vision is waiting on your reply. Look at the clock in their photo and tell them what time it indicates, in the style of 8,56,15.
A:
12,10,23
